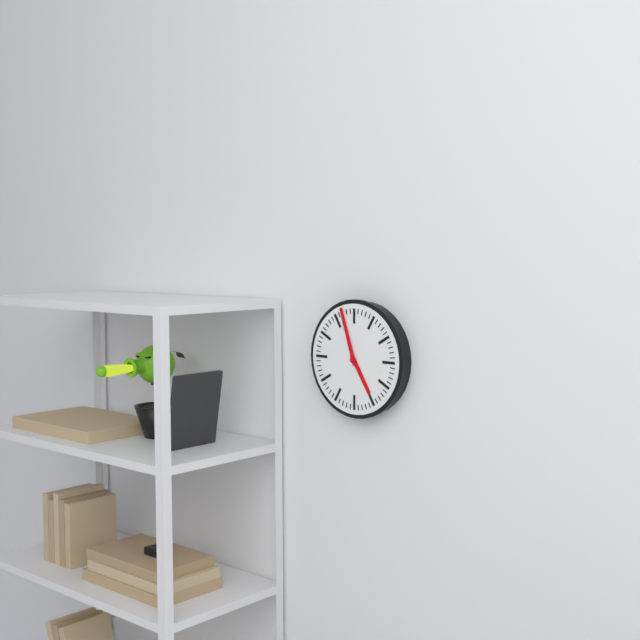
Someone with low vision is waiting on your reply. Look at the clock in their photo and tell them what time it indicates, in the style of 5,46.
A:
4,57
